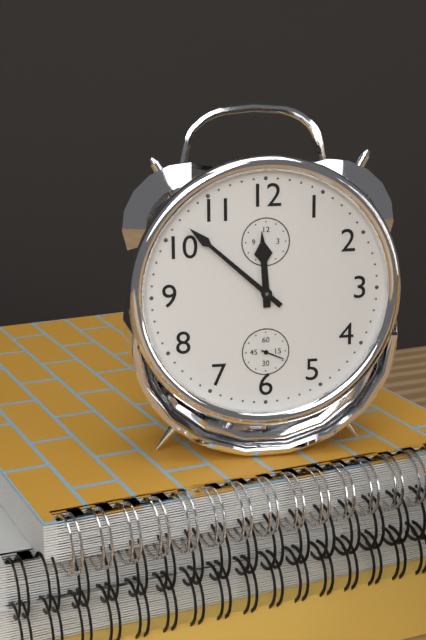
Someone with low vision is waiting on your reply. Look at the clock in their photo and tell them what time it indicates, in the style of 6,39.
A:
11,52
